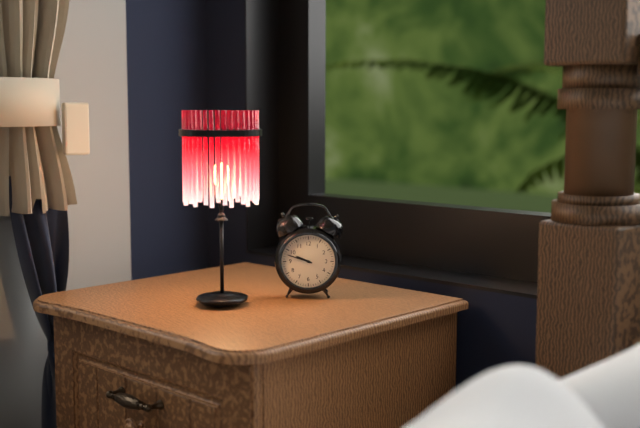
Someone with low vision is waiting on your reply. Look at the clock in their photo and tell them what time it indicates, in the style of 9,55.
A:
9,48
